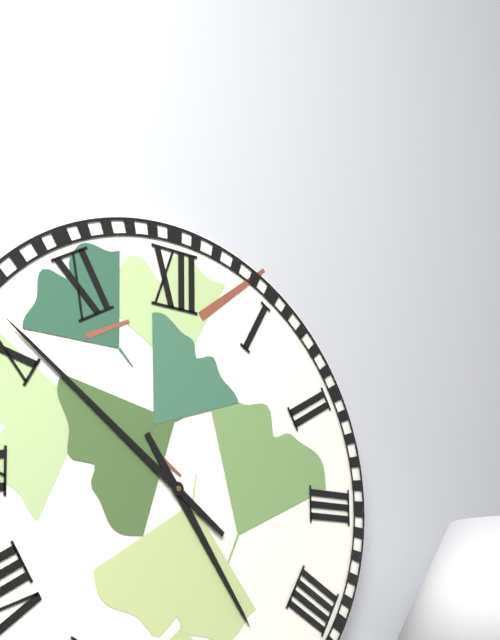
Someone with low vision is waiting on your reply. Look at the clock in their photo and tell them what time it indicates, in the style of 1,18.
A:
4,51
